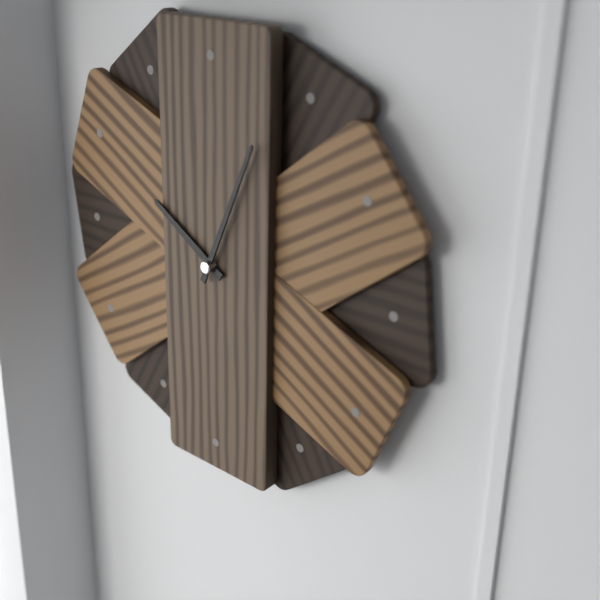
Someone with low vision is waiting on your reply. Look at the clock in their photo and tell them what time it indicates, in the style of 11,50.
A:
10,04
